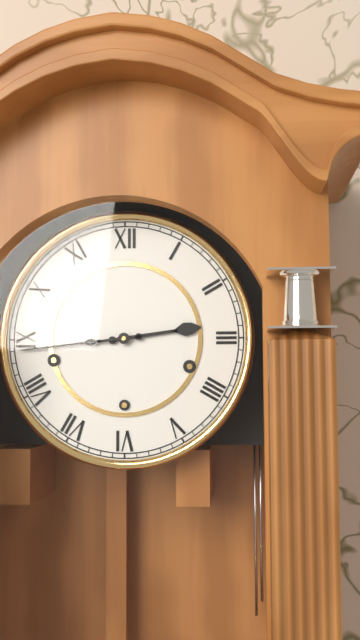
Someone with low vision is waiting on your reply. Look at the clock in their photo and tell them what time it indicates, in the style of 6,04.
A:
2,44
